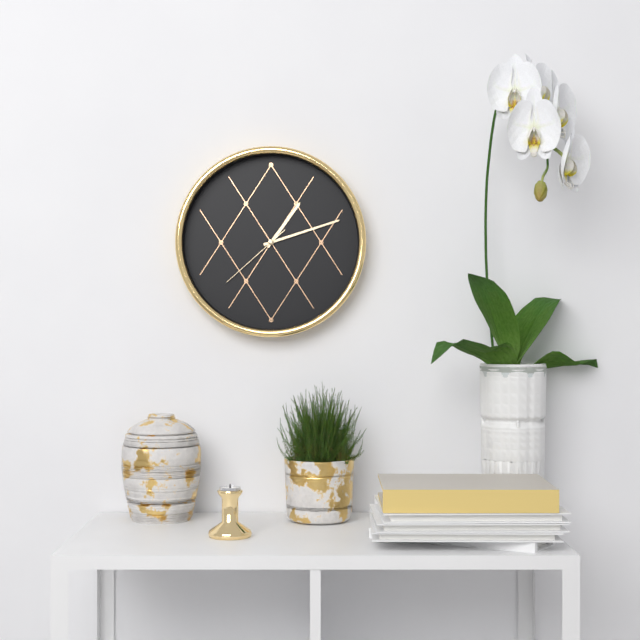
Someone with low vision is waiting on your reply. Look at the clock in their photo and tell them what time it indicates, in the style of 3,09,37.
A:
1,12,38
